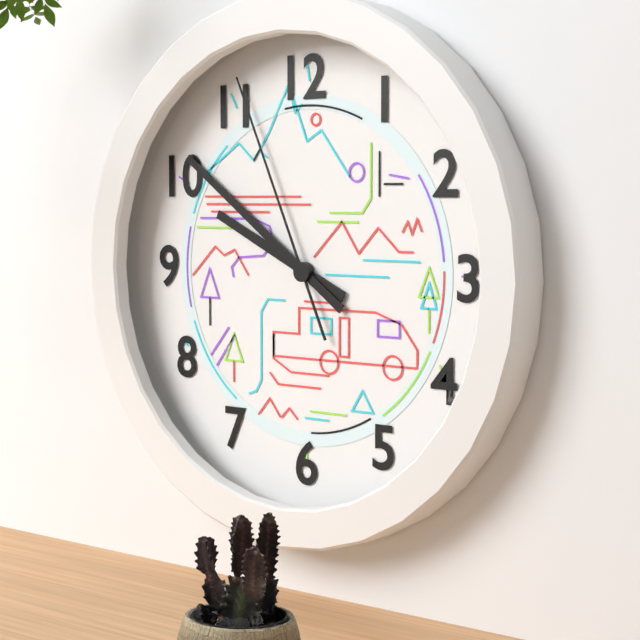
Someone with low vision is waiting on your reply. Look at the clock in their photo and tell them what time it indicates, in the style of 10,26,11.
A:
9,51,56
